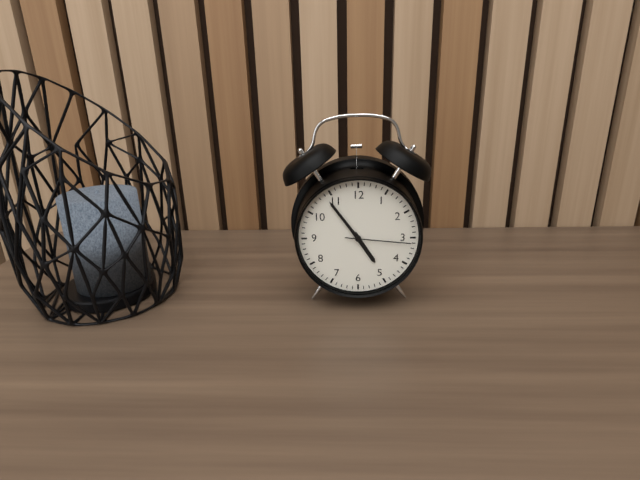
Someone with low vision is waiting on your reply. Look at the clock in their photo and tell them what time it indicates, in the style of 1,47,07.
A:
4,54,16
